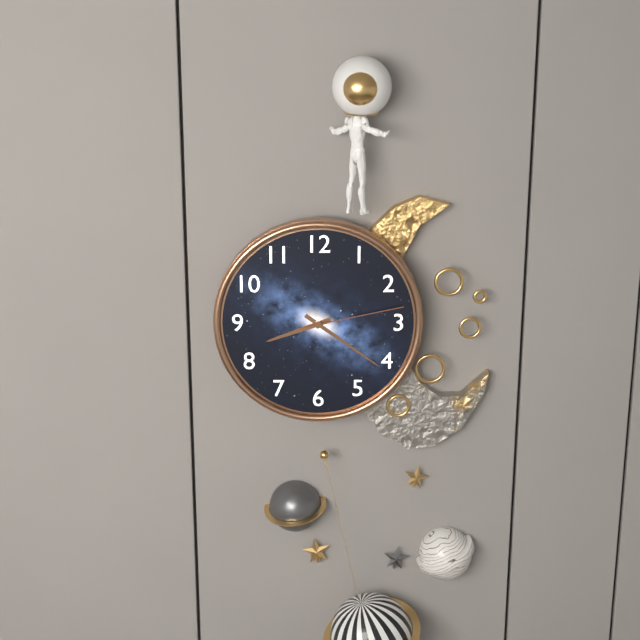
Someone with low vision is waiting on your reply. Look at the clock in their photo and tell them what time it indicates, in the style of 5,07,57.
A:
8,21,13
